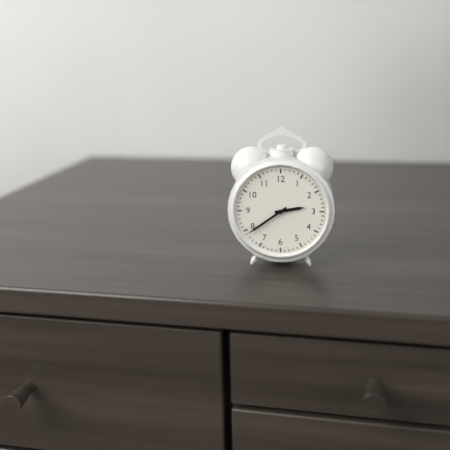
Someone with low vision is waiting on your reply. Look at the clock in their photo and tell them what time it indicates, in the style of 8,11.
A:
2,39
